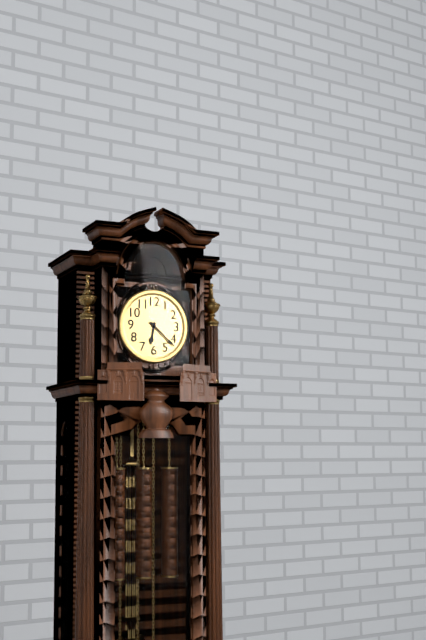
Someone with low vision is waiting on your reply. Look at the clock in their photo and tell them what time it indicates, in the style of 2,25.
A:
6,22
